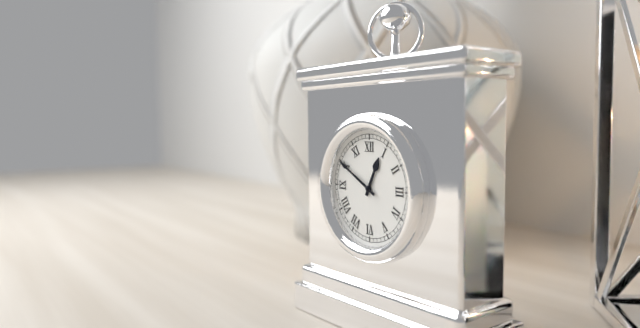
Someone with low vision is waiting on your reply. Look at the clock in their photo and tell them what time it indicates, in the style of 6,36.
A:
12,50
